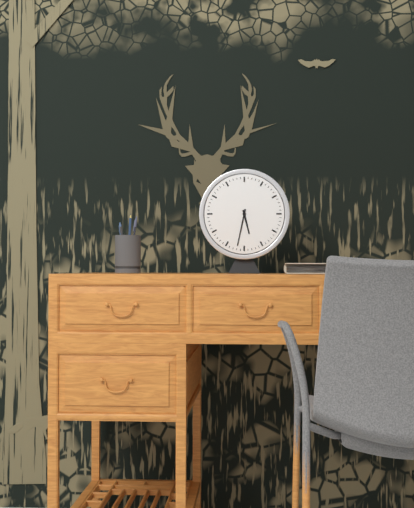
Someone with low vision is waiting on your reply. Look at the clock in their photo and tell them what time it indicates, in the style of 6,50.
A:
5,32
